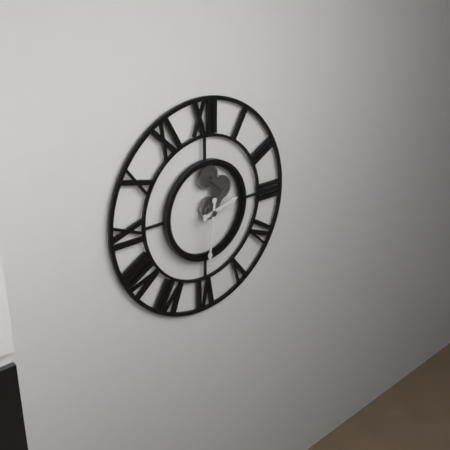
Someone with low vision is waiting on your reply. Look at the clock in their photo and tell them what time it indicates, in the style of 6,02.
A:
2,31
